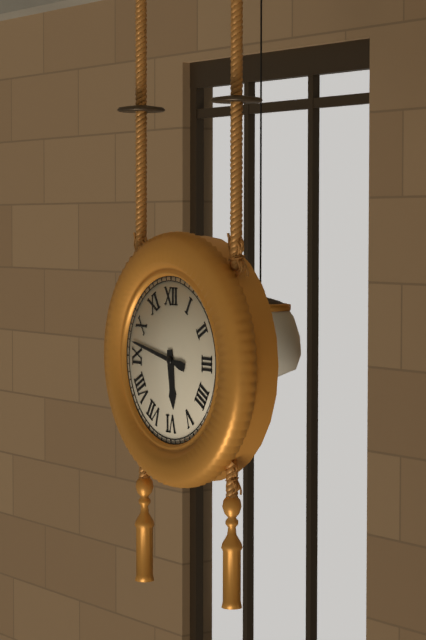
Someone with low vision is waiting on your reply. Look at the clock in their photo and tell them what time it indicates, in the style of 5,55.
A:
5,47
